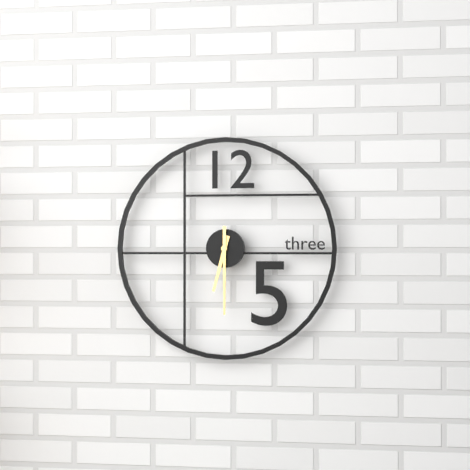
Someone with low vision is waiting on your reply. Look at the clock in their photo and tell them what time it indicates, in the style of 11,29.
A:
6,30
